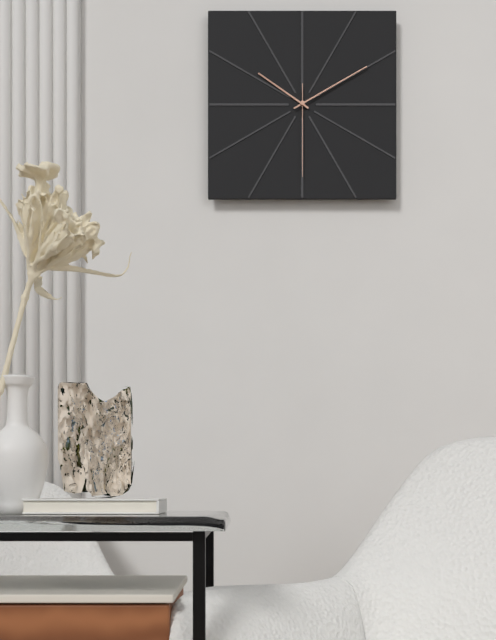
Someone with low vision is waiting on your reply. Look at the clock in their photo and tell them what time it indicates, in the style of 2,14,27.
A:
10,10,30
